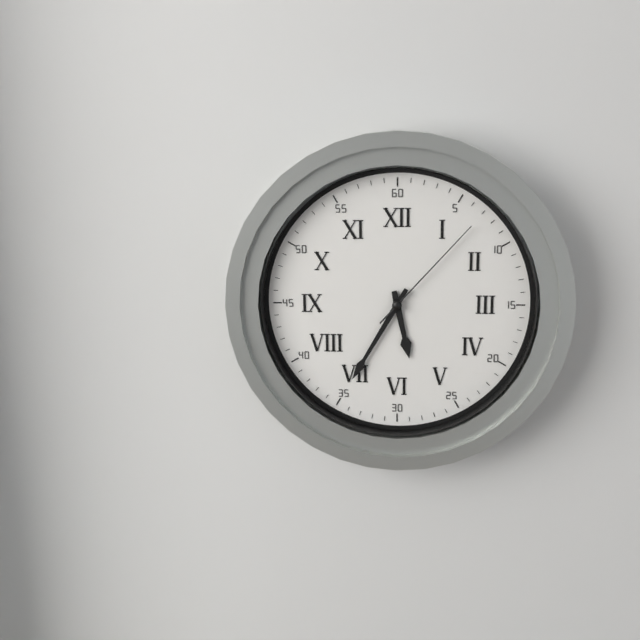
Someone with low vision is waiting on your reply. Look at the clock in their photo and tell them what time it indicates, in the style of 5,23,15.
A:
5,35,07
